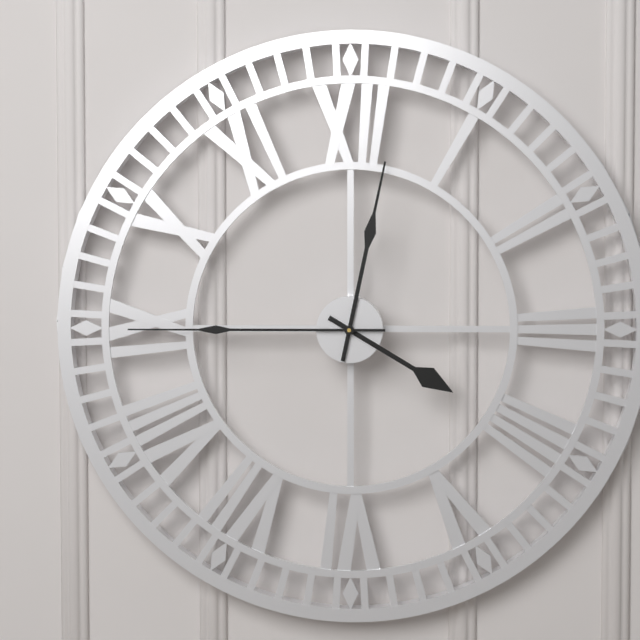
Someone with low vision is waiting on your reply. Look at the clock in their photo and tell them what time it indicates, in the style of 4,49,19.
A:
4,02,45
